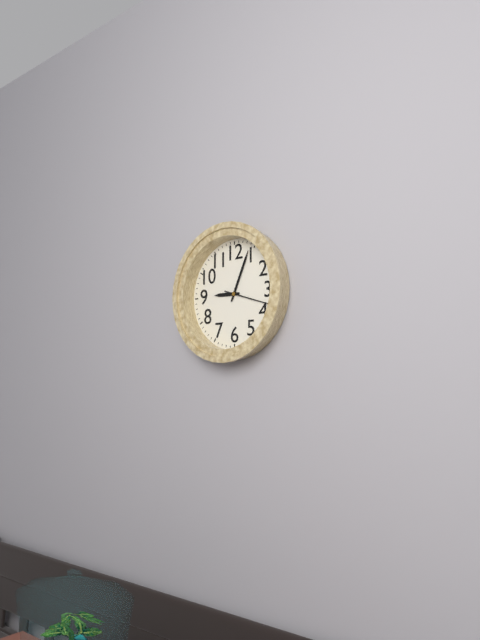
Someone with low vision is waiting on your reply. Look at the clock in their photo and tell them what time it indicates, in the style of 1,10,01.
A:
9,04,18
